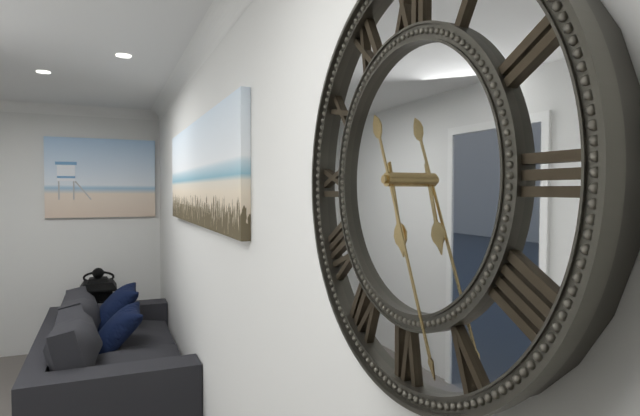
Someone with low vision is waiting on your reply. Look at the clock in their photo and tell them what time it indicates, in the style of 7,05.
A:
5,26
